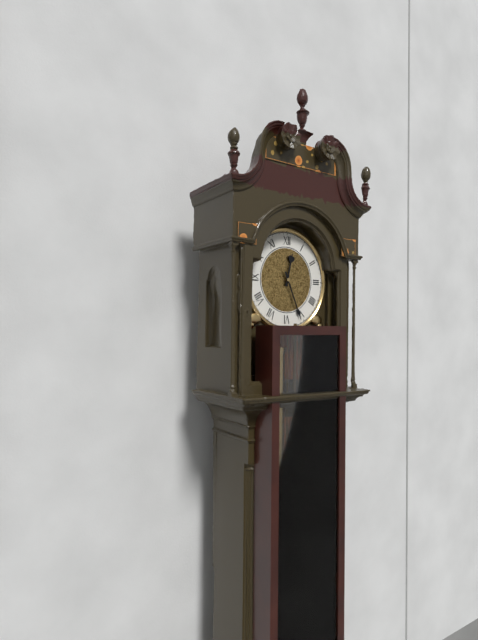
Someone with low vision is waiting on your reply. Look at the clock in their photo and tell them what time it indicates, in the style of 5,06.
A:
12,26
